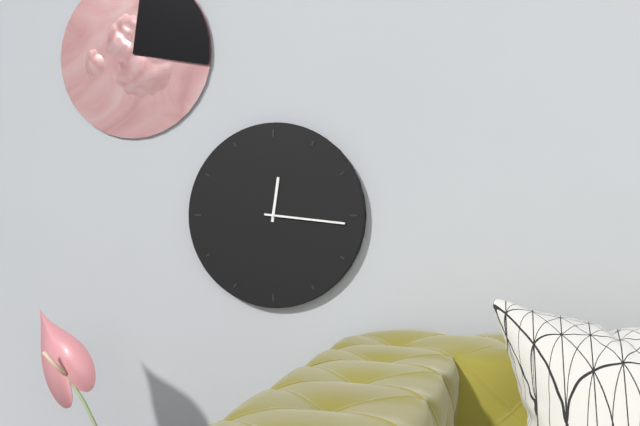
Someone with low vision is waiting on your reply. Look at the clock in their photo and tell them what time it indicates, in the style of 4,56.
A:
12,16
